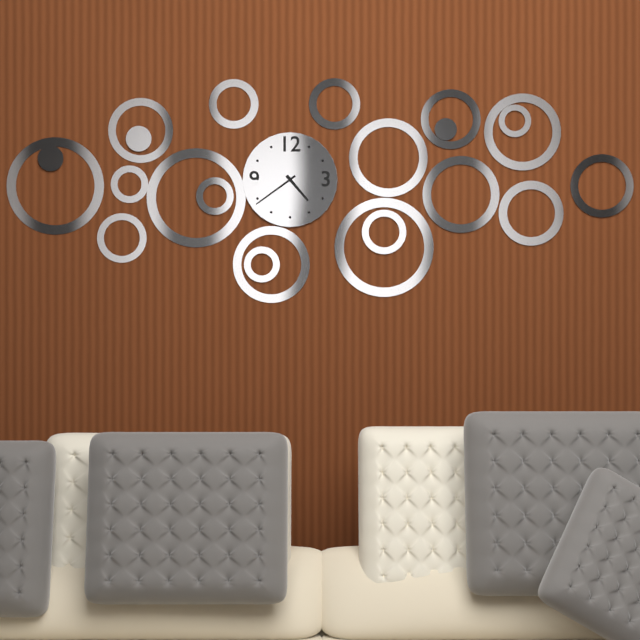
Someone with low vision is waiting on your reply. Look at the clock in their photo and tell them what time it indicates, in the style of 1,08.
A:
4,39
